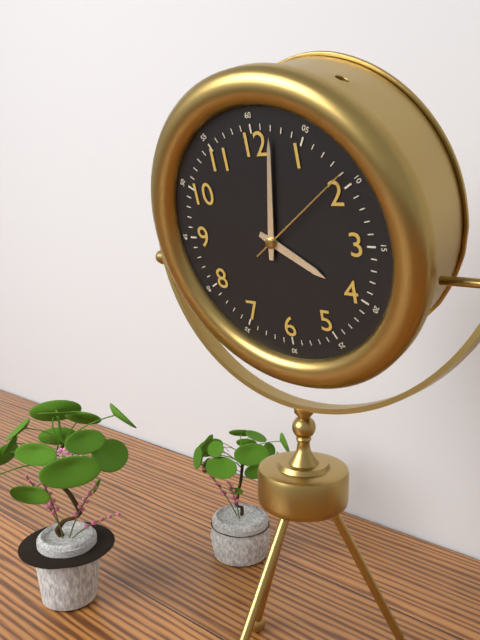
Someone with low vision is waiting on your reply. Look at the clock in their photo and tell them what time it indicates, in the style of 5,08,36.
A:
4,02,09
